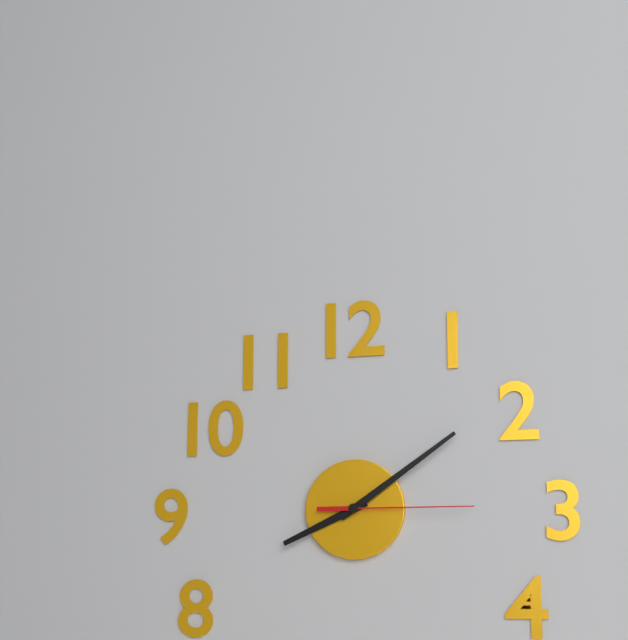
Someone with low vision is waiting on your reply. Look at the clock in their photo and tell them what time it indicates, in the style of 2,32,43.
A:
8,09,15
